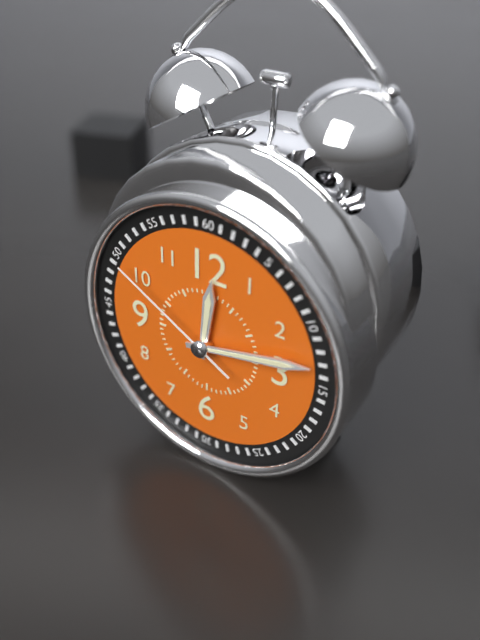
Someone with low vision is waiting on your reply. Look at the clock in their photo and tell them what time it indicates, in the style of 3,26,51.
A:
12,13,50
